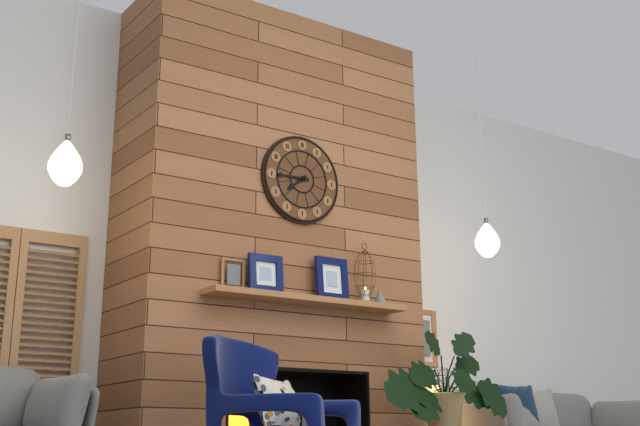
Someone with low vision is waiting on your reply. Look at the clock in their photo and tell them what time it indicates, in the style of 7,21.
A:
7,45
